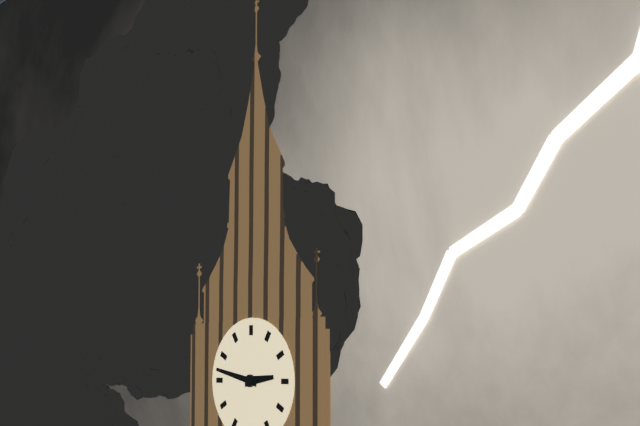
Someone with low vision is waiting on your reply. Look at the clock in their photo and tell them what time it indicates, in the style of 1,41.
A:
2,47
